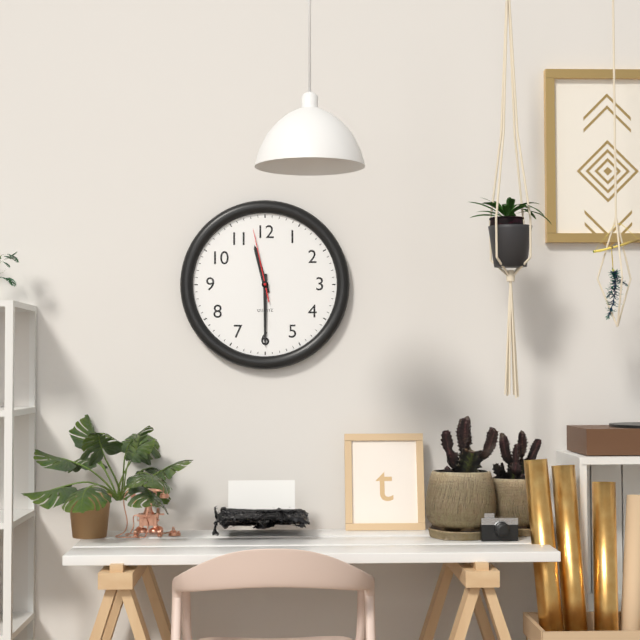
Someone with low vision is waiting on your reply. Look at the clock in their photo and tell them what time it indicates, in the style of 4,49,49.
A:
11,30,58
